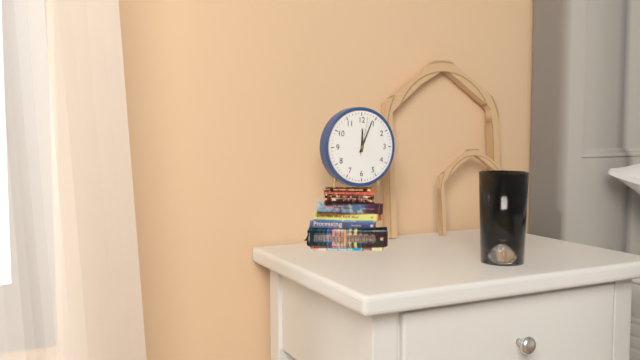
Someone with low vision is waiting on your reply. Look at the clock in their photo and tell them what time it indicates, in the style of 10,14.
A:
12,04
